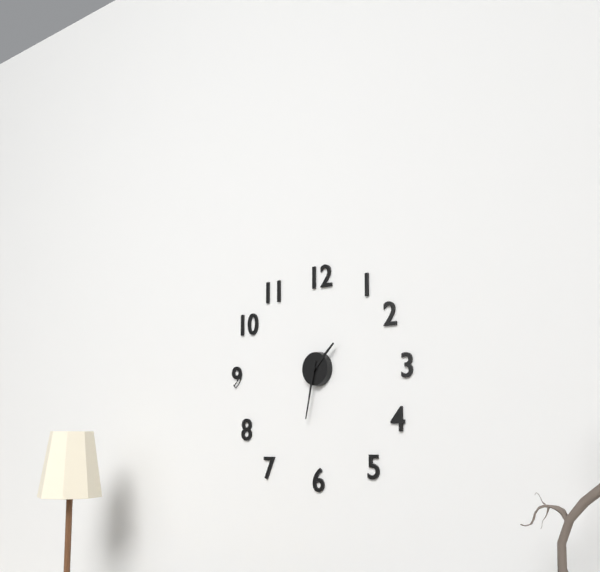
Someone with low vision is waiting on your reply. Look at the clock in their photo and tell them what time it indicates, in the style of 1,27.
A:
1,32
